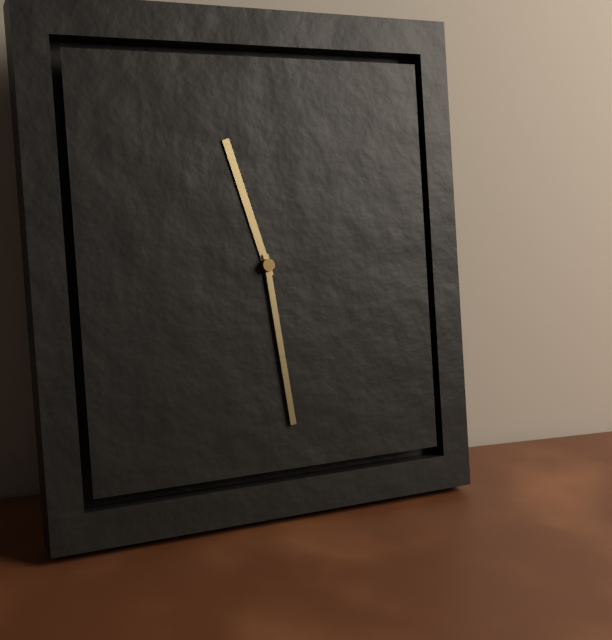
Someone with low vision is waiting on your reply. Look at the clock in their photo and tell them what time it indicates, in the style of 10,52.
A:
11,29
